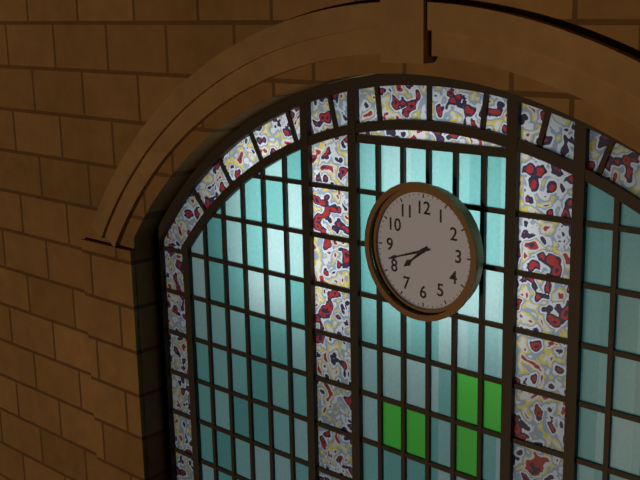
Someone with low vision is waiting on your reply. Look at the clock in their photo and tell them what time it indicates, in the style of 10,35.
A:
7,42
